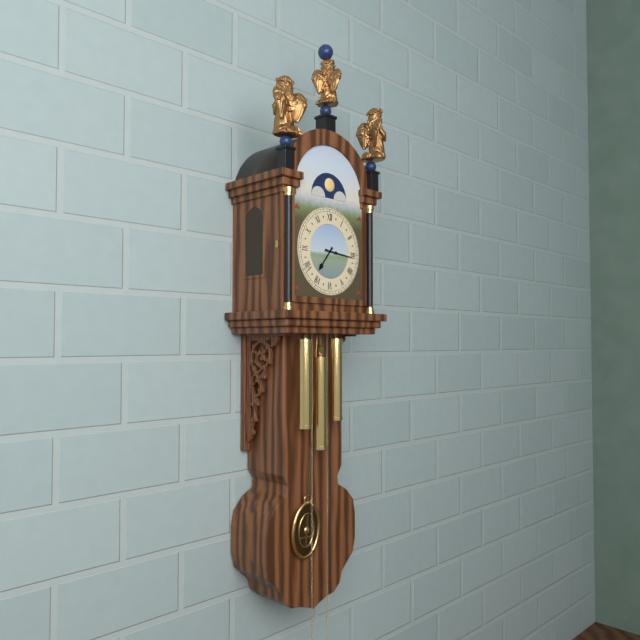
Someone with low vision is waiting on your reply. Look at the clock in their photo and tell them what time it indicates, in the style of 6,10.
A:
7,16
